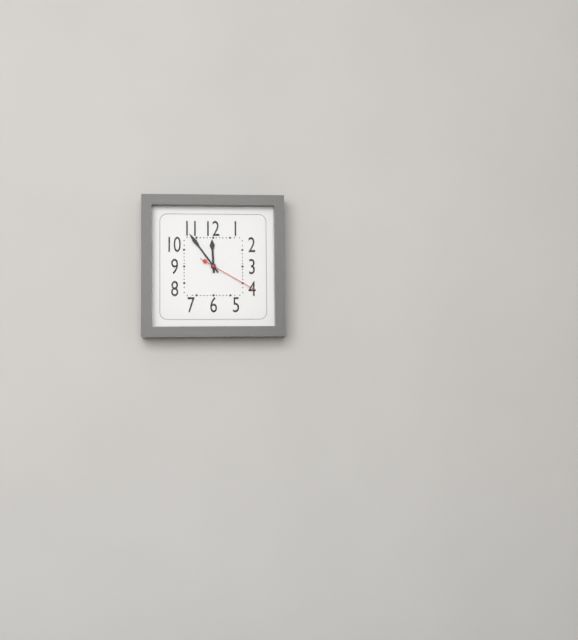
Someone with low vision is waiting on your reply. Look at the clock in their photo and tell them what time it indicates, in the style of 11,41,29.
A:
11,54,20
